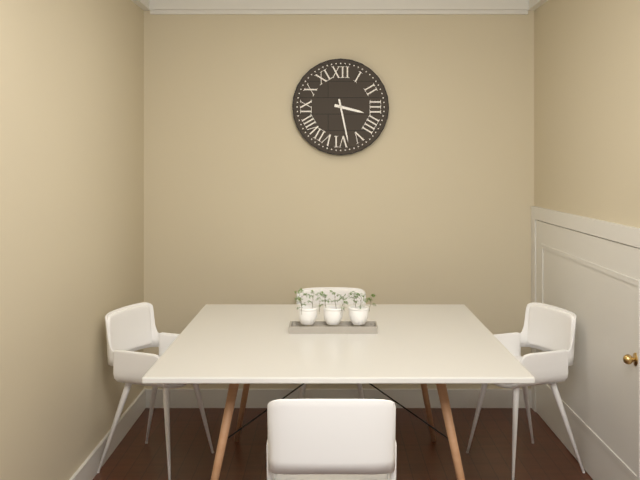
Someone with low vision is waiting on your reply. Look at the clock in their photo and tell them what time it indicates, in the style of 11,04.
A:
3,28
